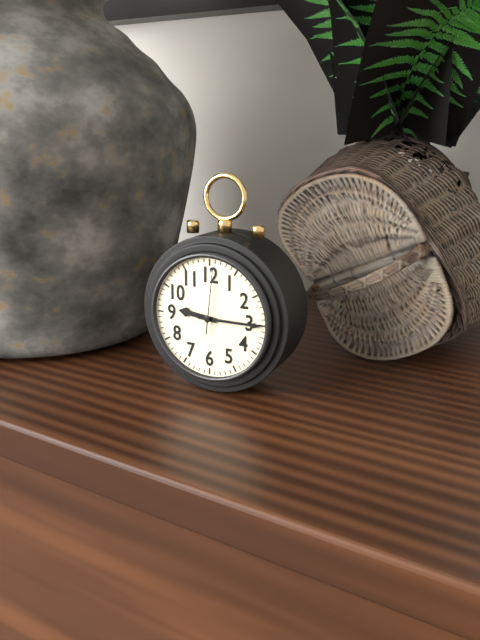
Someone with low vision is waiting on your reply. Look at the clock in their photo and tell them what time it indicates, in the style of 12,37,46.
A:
9,15,01
